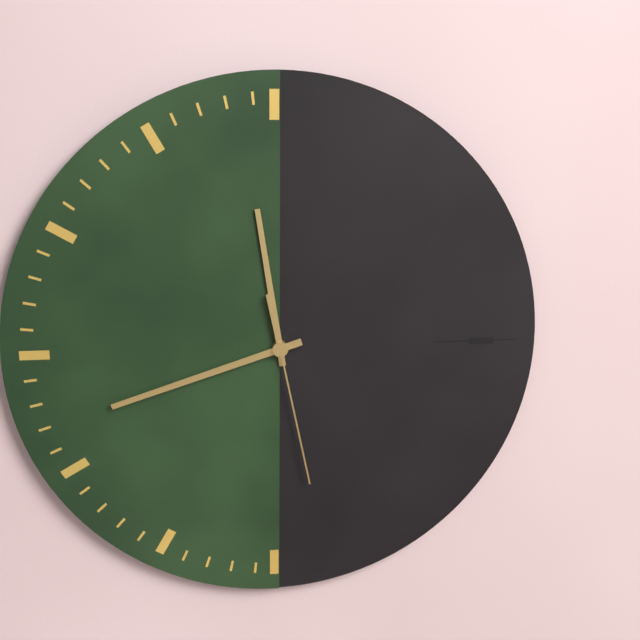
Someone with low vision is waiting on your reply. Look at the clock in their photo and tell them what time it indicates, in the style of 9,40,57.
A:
11,42,28
